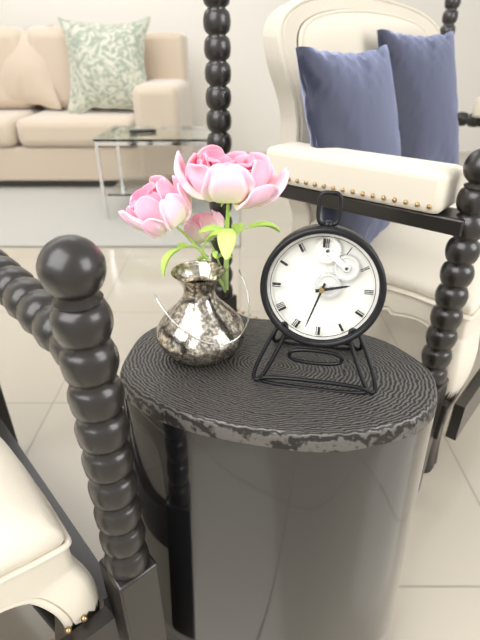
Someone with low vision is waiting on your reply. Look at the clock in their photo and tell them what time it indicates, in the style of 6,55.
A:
2,33
